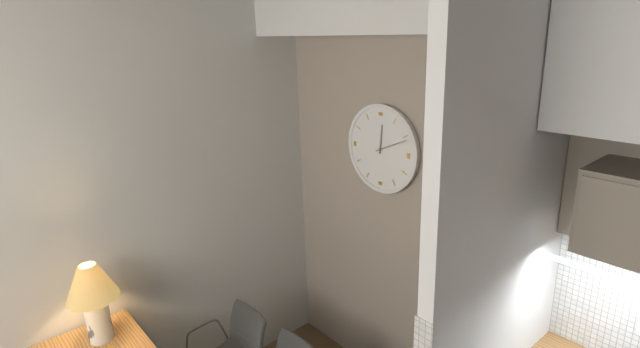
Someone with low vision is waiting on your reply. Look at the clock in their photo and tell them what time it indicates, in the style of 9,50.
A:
12,11
